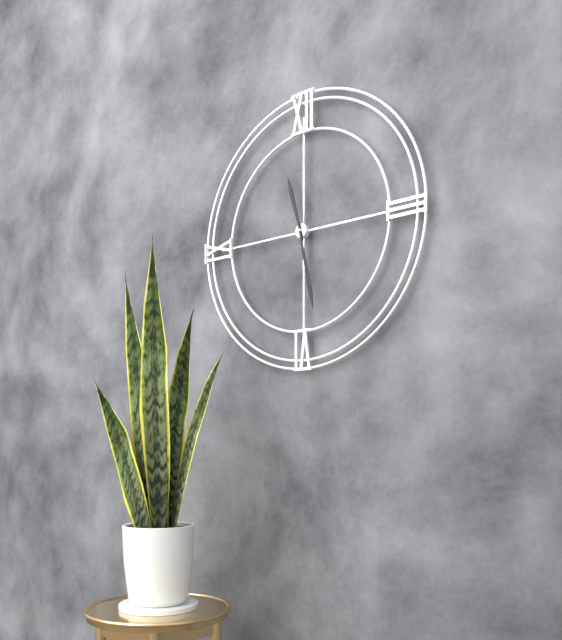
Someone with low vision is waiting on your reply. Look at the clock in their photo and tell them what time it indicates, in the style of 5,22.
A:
11,28
